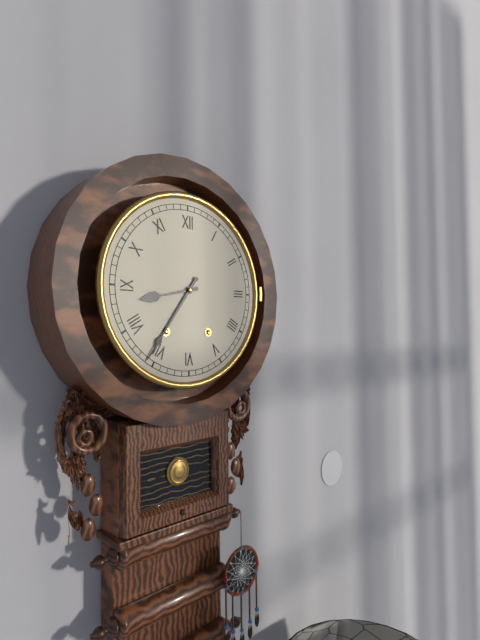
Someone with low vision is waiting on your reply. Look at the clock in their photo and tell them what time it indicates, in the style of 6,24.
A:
8,36
